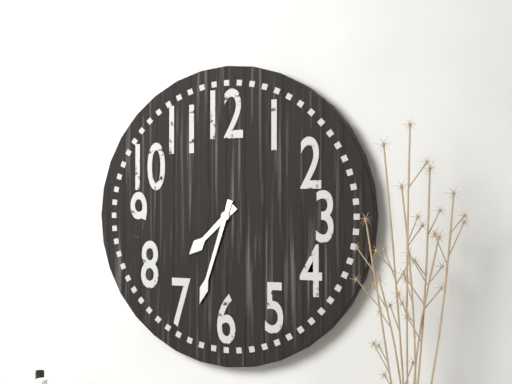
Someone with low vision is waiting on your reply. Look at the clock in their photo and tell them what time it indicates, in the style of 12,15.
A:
7,33
